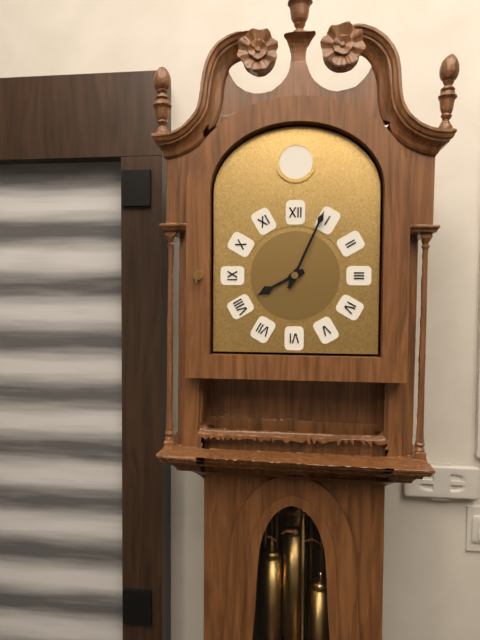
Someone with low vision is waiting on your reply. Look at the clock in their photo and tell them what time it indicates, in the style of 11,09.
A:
8,04
